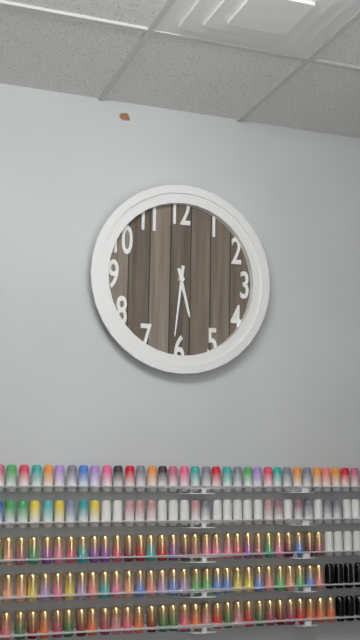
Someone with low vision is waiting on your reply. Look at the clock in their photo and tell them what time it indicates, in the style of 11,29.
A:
5,31
